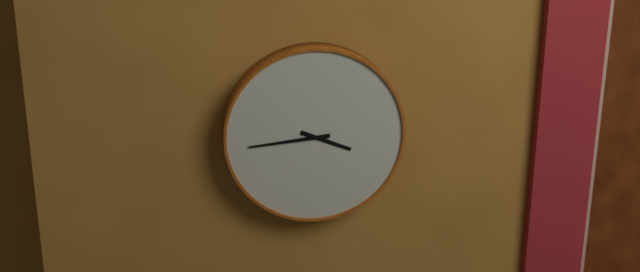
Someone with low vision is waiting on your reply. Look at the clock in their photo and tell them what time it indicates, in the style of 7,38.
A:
3,44
